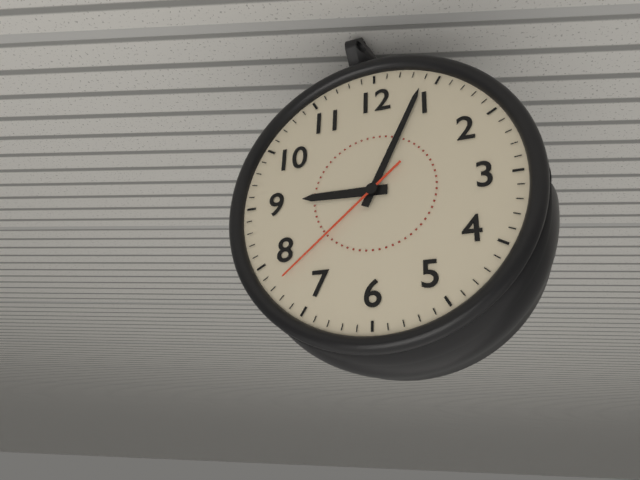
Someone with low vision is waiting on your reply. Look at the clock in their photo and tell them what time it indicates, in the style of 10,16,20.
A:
9,04,38
